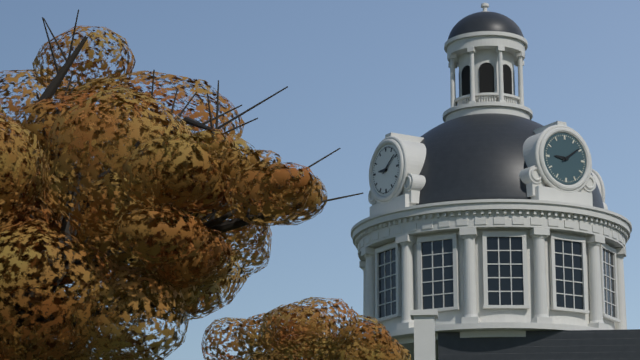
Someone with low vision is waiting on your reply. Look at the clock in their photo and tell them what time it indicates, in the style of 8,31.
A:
9,09
